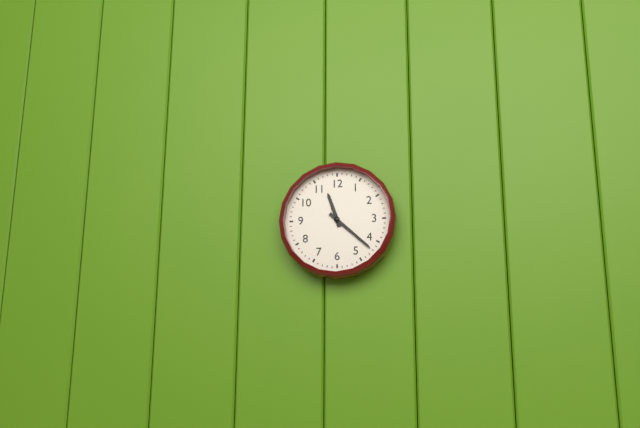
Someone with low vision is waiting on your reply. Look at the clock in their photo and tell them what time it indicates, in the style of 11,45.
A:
11,22
